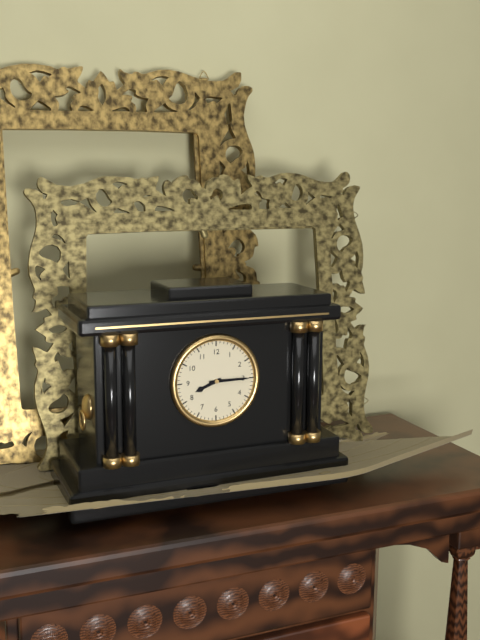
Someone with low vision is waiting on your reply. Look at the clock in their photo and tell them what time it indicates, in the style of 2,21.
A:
8,15
